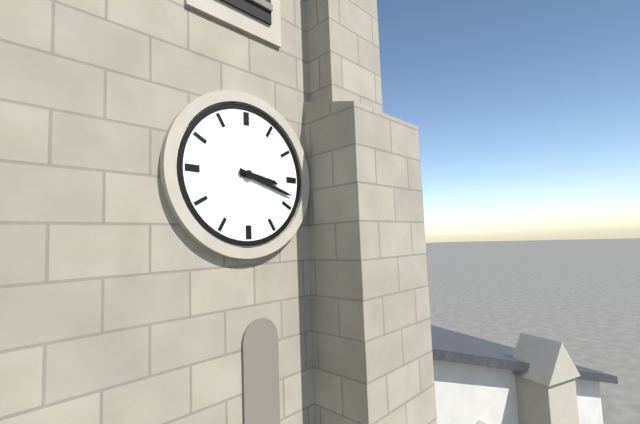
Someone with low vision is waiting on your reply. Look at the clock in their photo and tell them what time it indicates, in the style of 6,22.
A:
3,18
